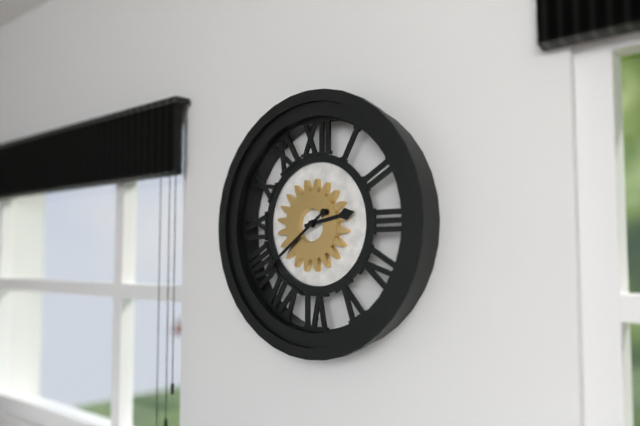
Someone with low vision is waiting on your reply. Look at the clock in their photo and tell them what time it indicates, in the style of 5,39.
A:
2,39
